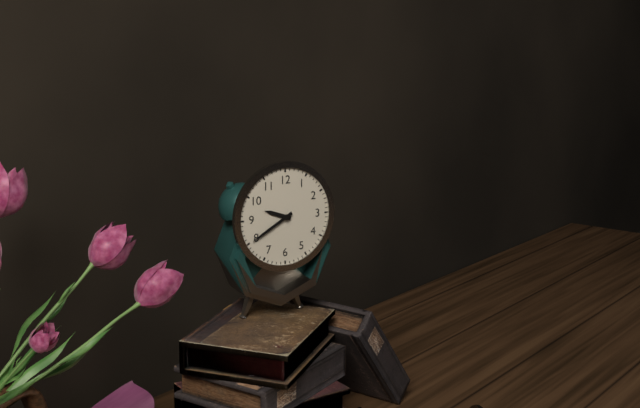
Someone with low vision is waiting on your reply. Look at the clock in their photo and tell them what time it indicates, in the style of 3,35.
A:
9,40
